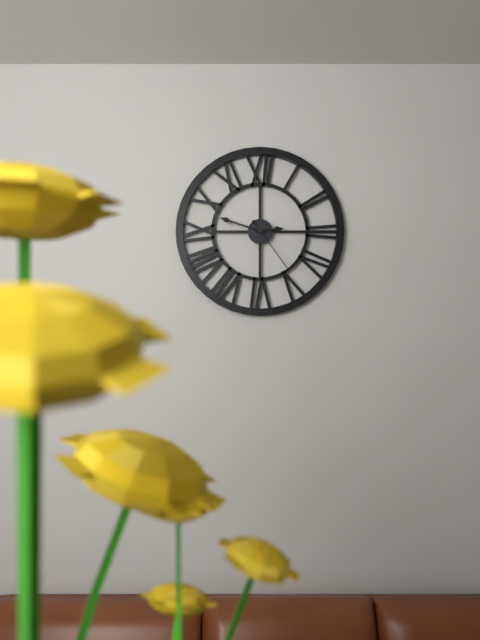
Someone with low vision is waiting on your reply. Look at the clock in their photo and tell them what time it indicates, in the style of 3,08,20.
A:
2,48,24
